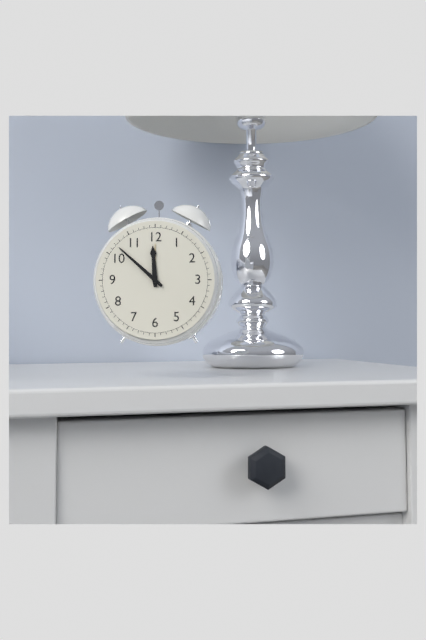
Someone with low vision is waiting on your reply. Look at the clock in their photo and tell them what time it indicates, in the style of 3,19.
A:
11,52
